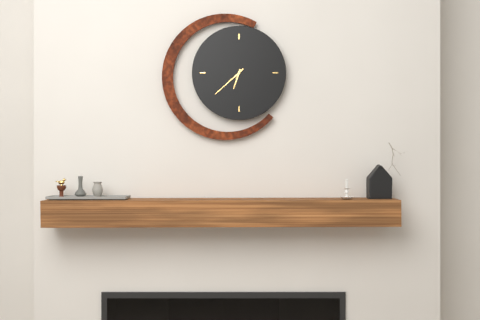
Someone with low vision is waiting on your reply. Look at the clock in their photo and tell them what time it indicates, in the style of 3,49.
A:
6,38
